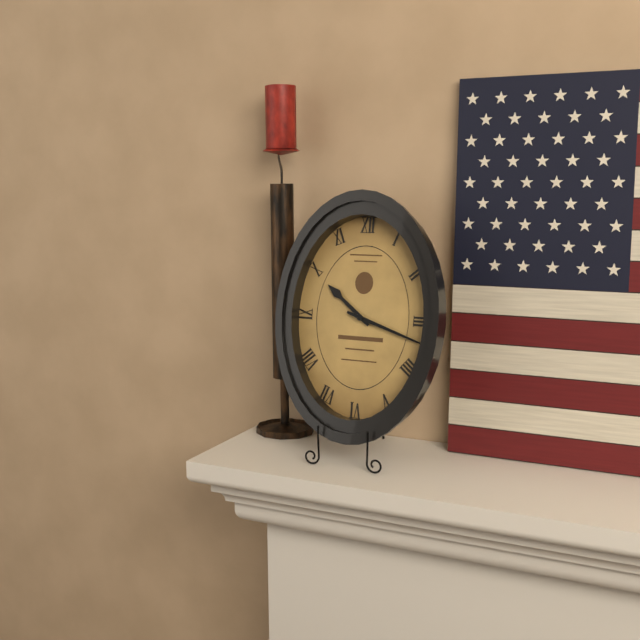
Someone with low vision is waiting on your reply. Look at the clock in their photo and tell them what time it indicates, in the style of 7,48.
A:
10,18
